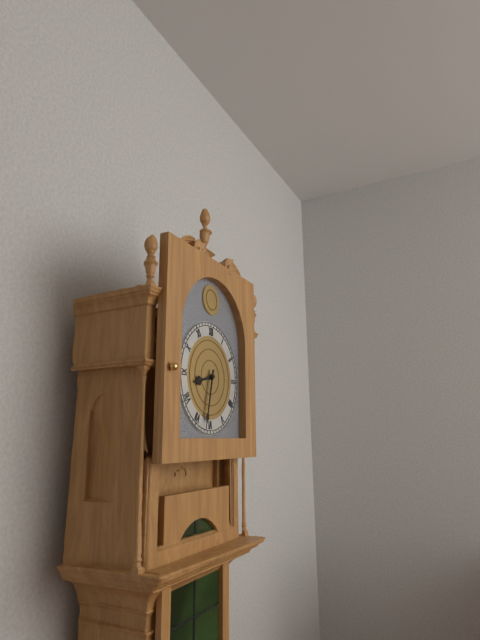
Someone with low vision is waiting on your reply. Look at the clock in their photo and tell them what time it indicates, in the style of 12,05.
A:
8,32
